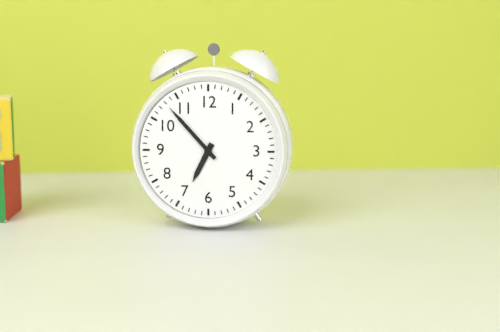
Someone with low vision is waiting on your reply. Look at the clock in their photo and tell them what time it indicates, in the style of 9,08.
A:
6,53
